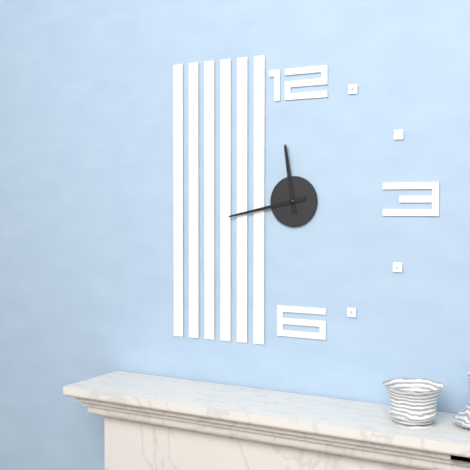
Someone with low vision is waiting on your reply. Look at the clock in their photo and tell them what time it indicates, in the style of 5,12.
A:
11,43
